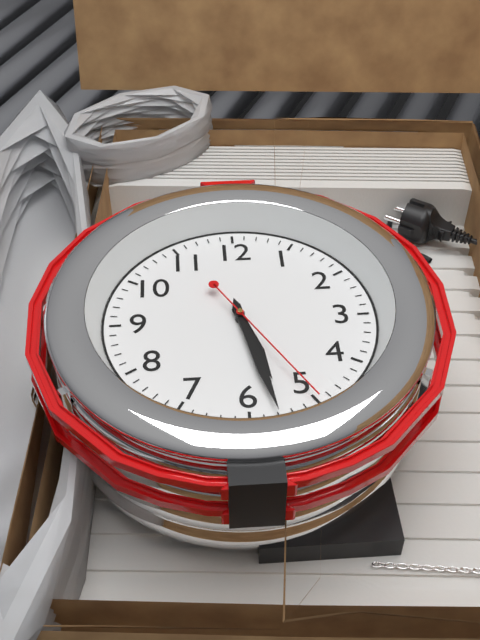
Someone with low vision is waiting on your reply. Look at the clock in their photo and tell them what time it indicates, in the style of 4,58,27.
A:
5,28,25
